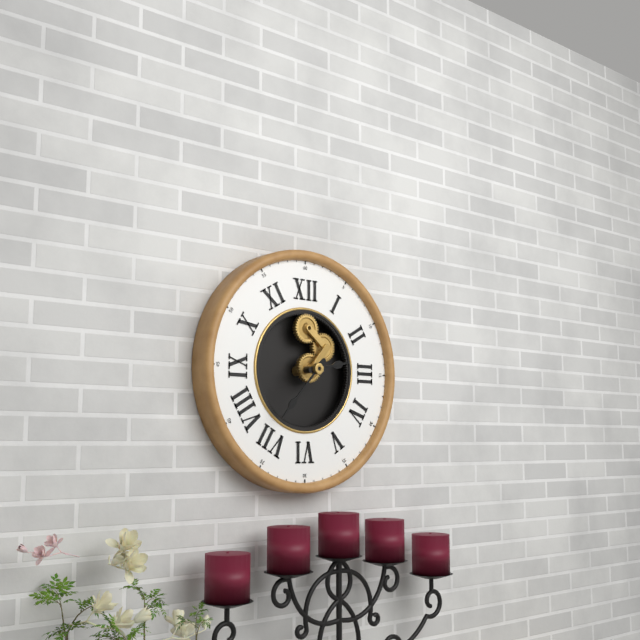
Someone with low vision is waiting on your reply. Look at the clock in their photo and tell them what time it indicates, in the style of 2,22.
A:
2,37
